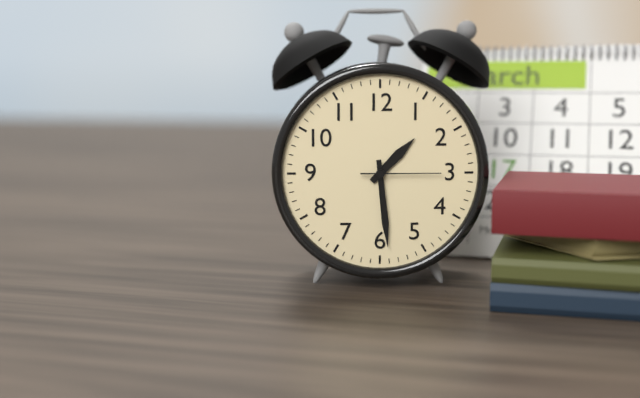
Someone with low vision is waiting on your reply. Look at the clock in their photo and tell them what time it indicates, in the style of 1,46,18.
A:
1,29,15
